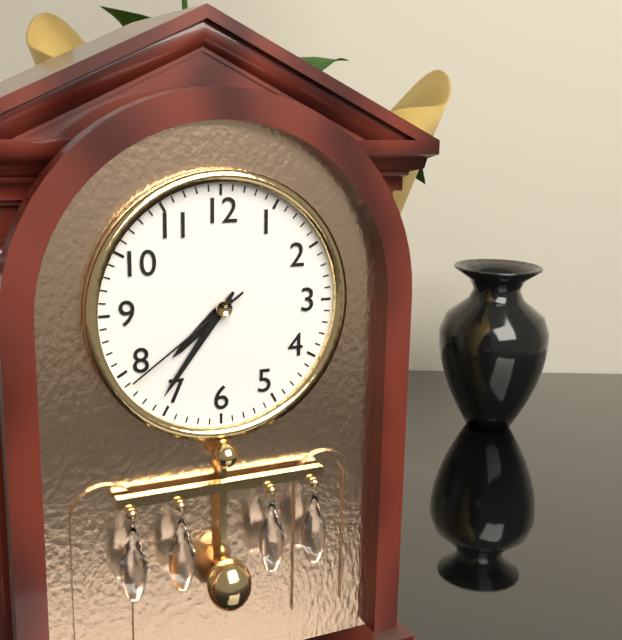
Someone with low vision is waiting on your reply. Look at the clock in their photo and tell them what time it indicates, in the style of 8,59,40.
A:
7,36,39
